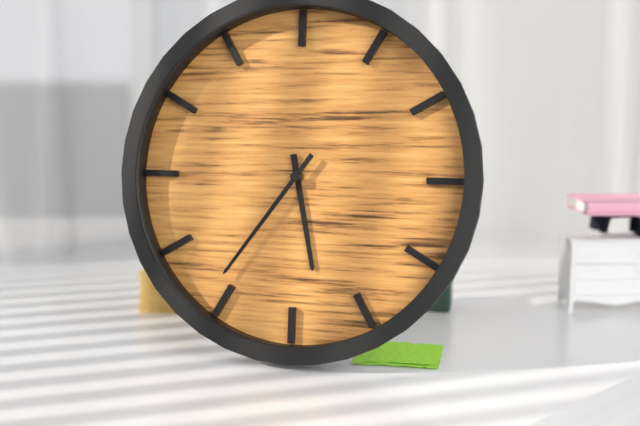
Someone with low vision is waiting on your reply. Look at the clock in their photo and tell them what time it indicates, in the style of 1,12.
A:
5,36
